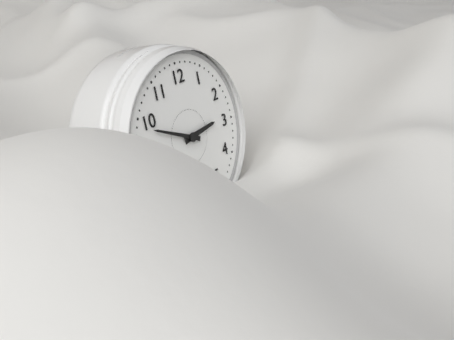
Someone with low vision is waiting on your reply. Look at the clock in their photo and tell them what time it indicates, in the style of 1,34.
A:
2,49
